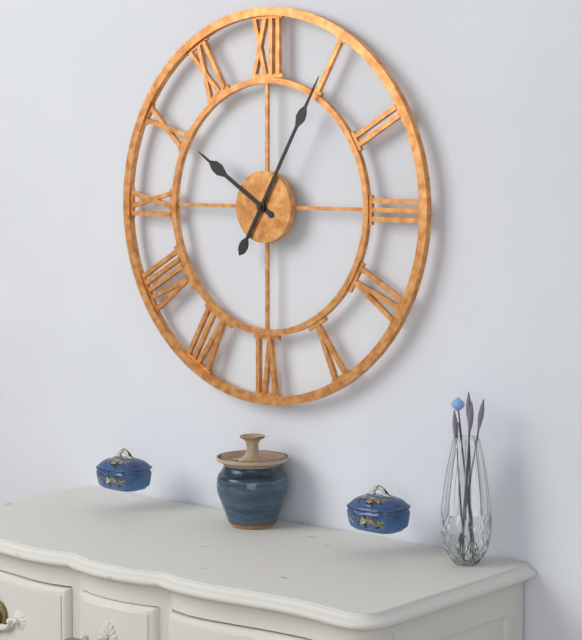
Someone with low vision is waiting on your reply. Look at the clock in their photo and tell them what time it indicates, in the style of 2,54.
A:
10,05
